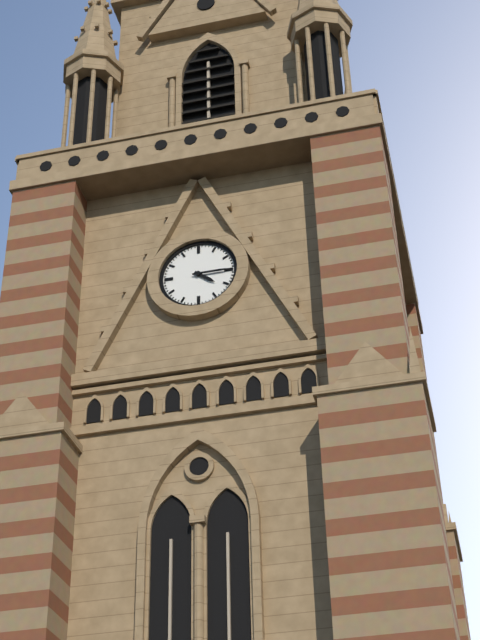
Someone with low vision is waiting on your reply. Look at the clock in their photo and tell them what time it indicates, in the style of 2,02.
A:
4,15
